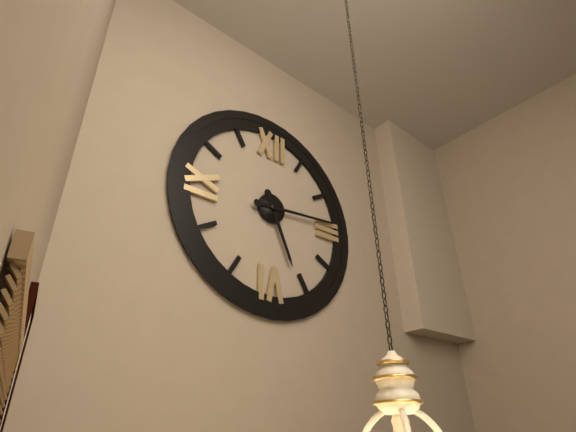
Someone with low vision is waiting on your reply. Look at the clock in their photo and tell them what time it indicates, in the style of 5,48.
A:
5,14
